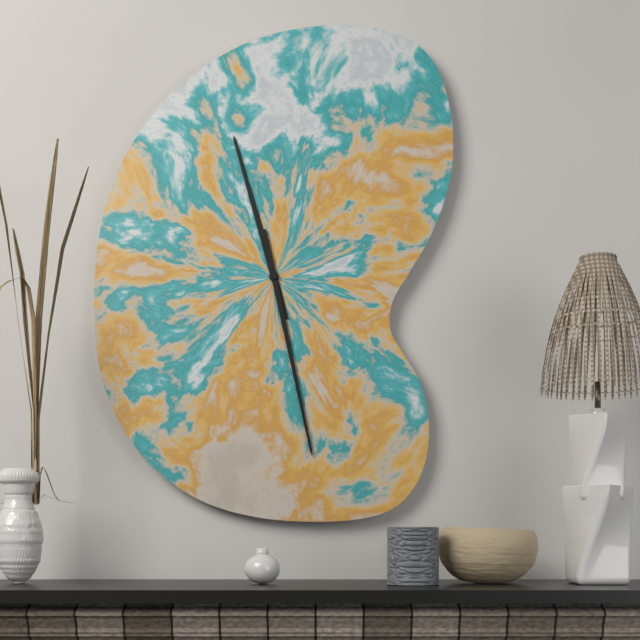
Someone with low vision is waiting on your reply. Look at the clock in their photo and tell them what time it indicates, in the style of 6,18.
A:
11,28
